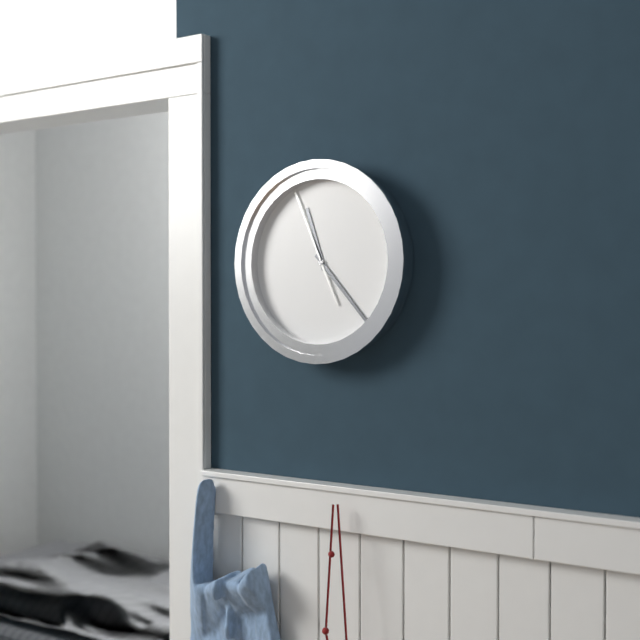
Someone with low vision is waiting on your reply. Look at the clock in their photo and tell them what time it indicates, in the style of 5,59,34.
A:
11,23,56
